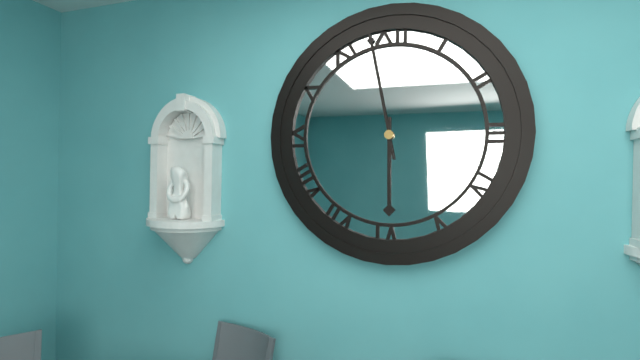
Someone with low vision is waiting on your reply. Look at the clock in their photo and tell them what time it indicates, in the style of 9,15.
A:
5,58
